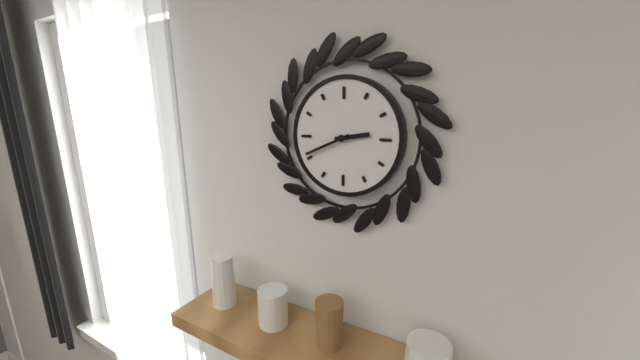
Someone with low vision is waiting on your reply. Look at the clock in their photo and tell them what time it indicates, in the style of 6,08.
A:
2,41
